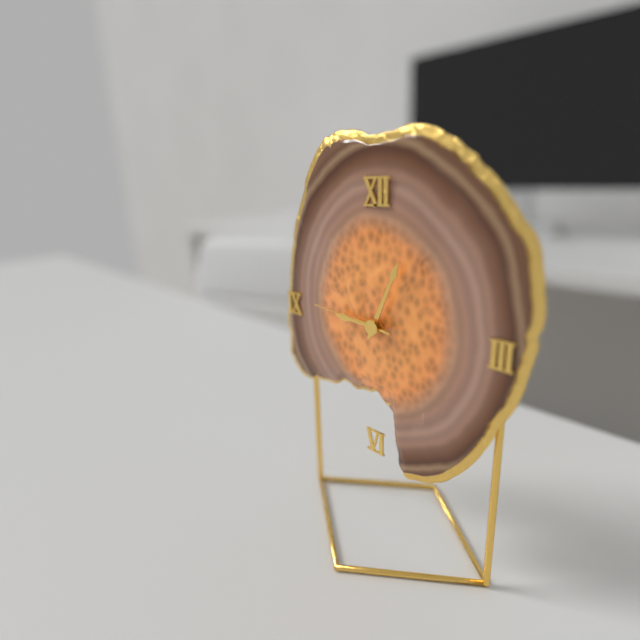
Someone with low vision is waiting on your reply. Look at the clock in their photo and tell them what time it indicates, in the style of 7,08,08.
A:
9,04,46
